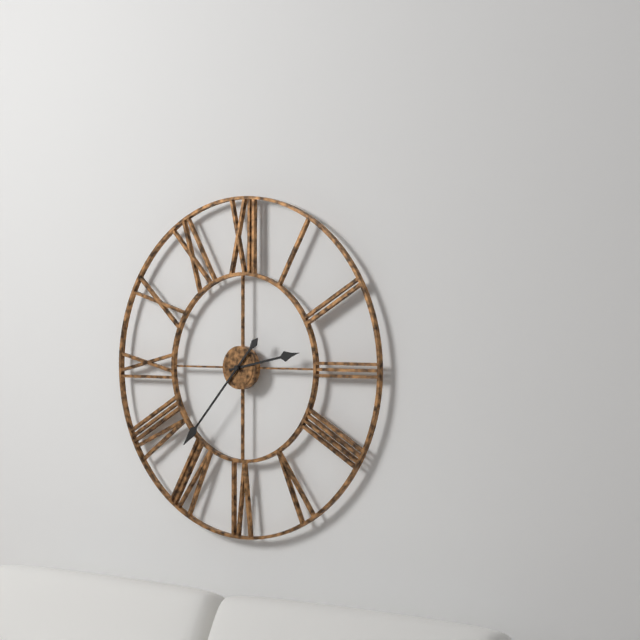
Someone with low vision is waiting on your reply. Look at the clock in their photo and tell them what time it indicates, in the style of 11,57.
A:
2,37
